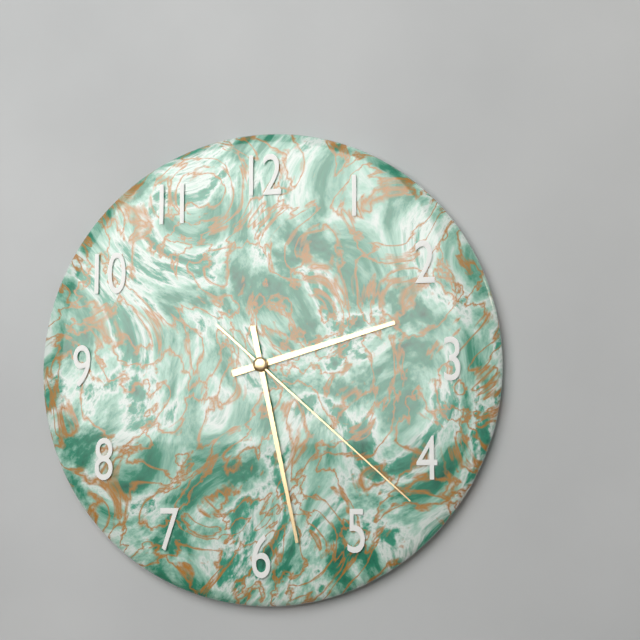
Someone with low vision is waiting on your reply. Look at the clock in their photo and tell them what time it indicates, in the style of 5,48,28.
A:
2,28,22
